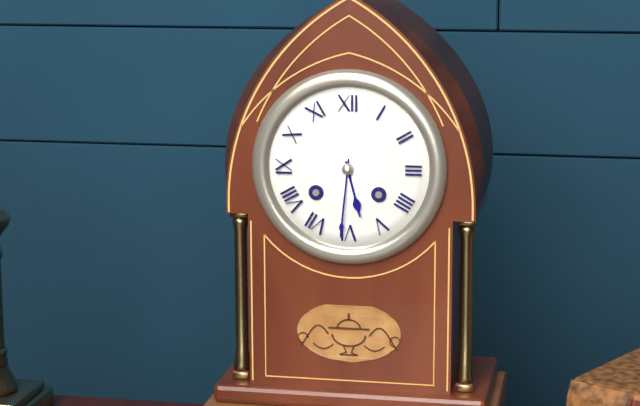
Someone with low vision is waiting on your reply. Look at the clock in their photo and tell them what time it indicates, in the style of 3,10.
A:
5,31
